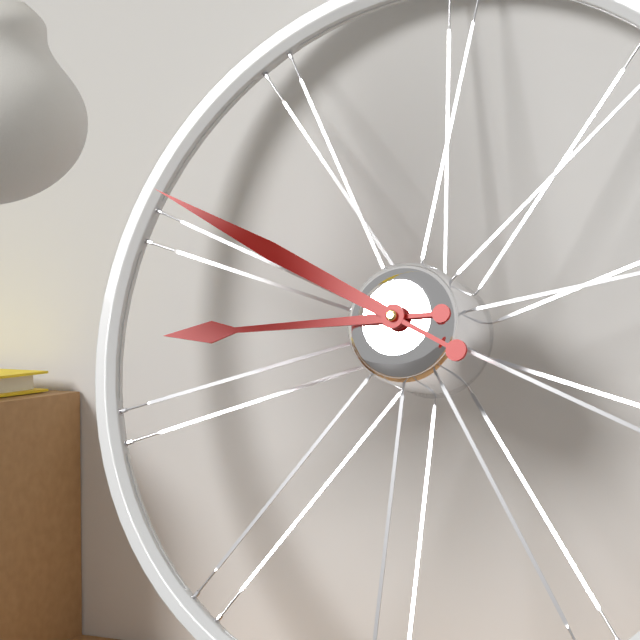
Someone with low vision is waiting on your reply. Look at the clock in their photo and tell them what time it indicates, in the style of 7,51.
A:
8,49
